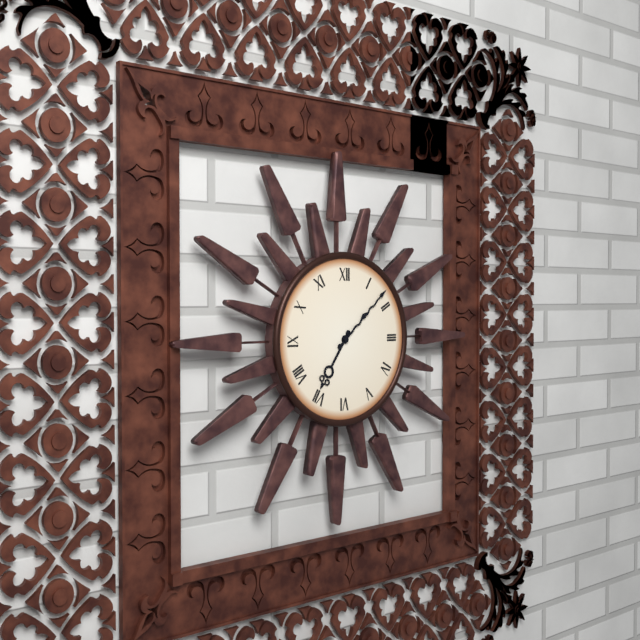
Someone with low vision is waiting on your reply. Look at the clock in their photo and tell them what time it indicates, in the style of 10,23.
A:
7,08
